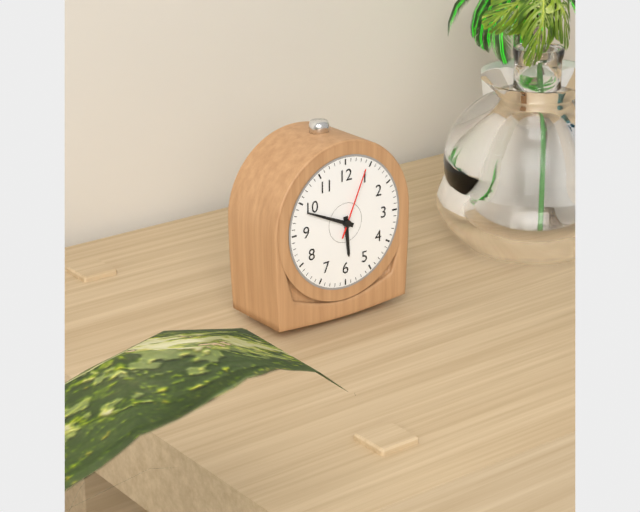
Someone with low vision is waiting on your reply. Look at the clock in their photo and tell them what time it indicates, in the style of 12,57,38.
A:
5,49,04
